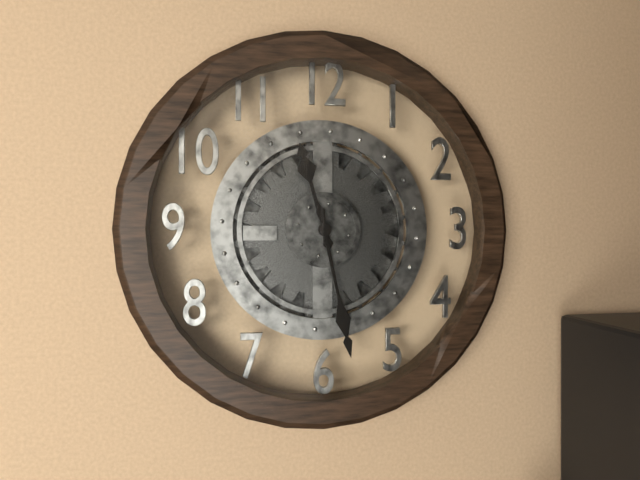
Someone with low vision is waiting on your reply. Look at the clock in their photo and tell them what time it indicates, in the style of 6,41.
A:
11,28
